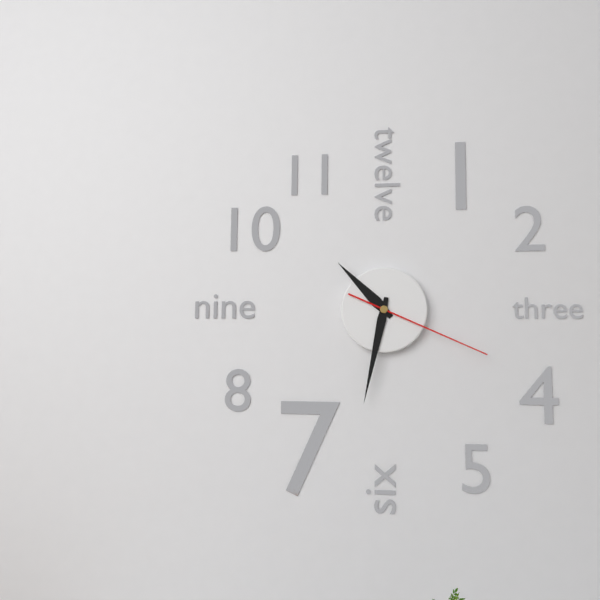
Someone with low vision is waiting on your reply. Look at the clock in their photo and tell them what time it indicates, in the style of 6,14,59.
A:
10,32,19
